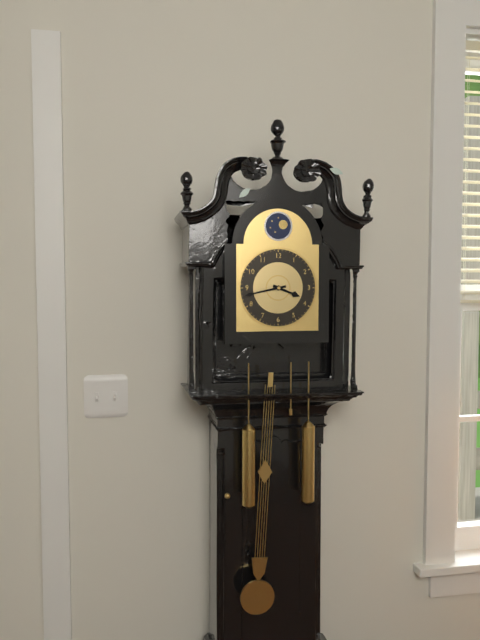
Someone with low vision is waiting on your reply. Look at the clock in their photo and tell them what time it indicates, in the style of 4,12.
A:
3,43
